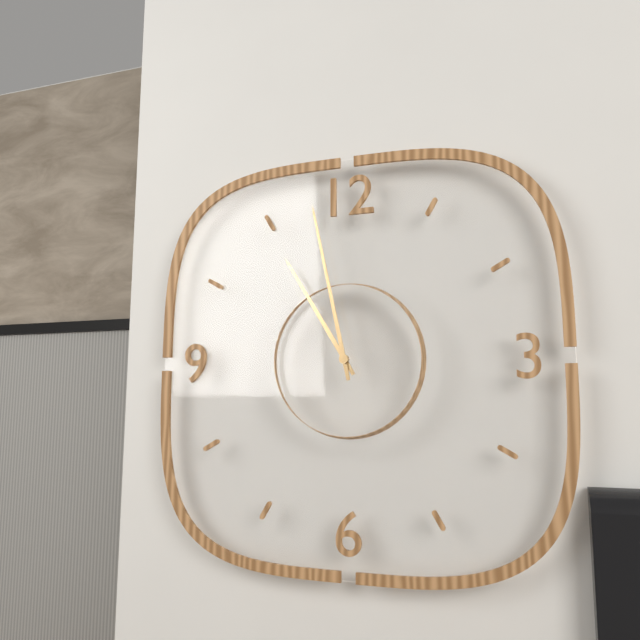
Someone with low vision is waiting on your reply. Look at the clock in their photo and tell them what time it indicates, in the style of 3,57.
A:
10,58
